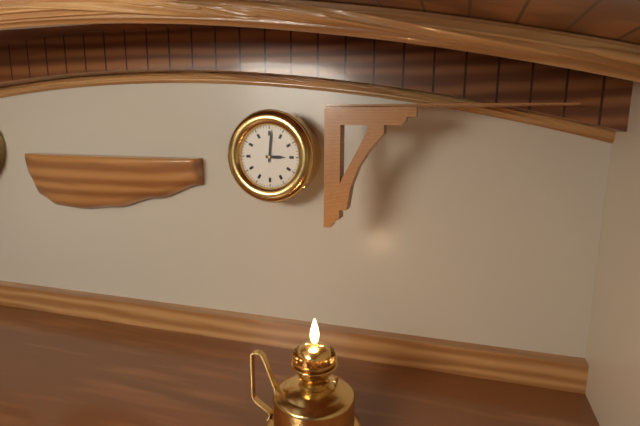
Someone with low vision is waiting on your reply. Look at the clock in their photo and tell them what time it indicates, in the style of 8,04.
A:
3,01
